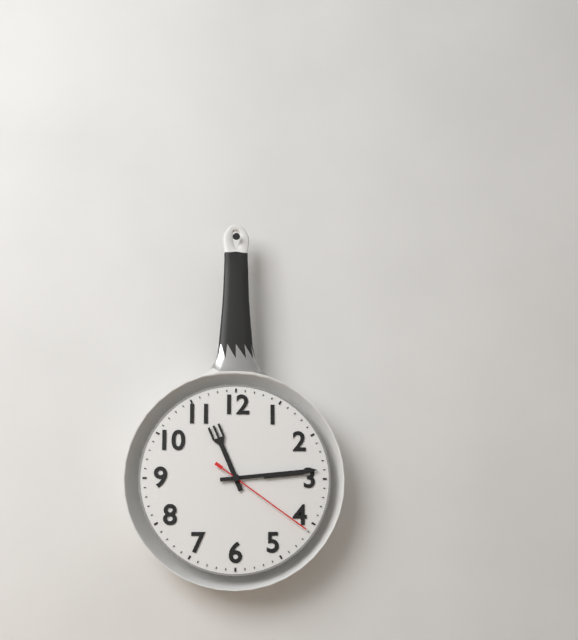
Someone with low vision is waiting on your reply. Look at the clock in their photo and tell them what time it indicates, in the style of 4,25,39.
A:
11,14,21
